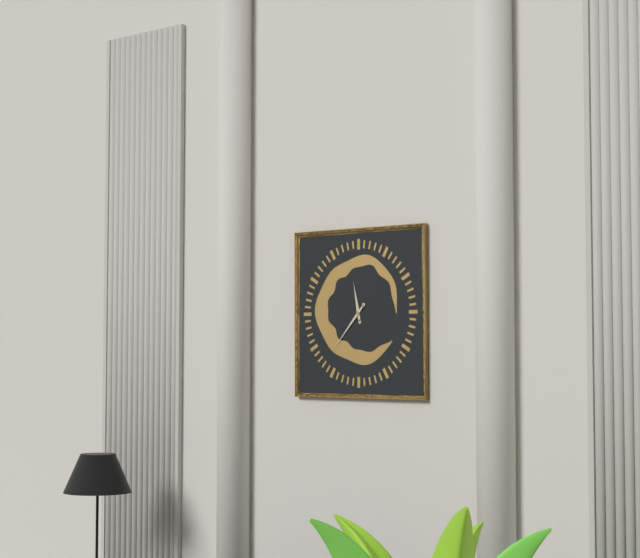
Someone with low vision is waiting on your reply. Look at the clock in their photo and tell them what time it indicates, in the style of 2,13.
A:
11,37
